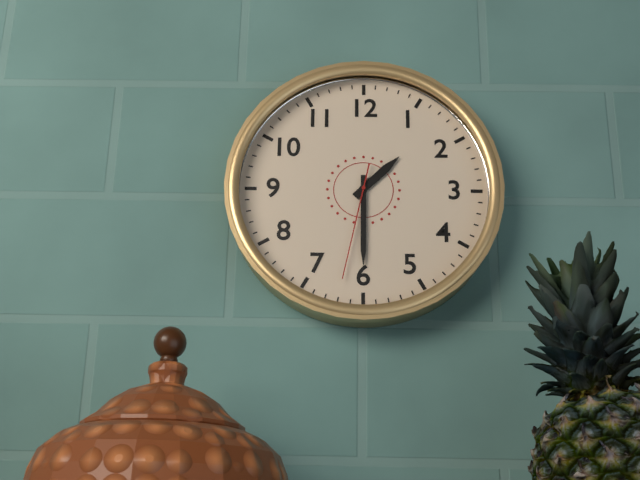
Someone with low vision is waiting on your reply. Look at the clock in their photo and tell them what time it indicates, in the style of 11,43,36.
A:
1,30,32
